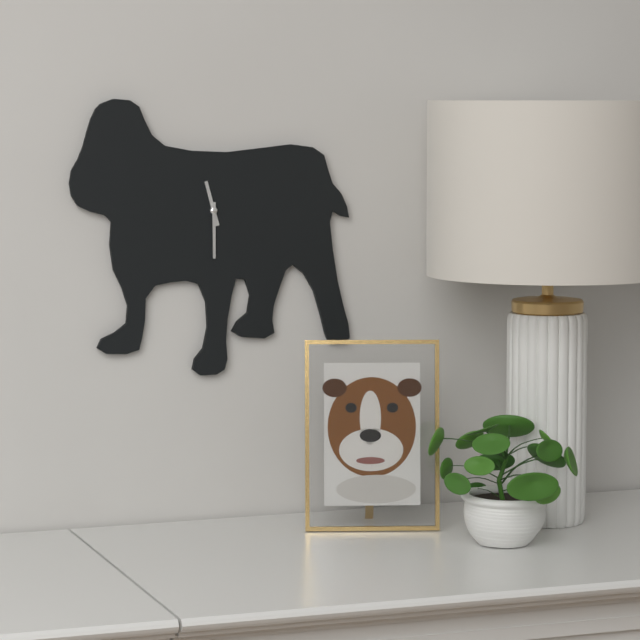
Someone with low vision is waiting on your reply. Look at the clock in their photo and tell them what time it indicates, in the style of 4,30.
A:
11,30
